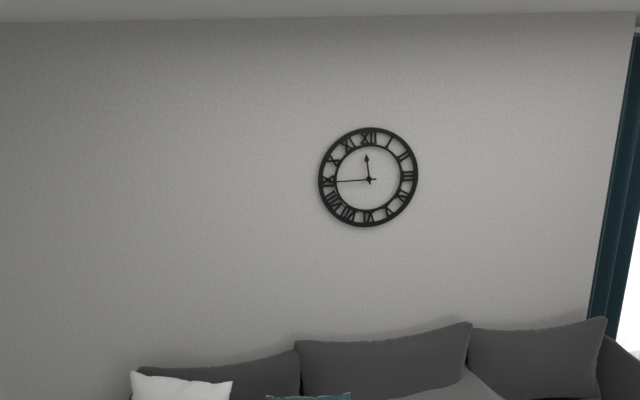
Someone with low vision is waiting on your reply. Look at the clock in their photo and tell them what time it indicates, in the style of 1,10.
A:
11,45
